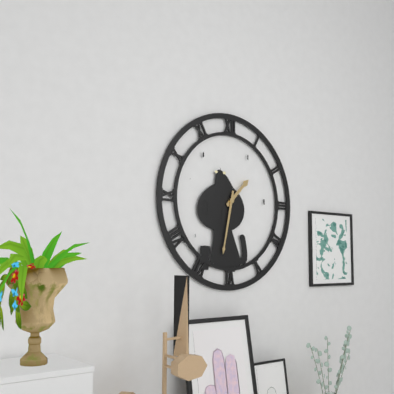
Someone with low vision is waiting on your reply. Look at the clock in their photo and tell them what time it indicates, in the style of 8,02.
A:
1,32
